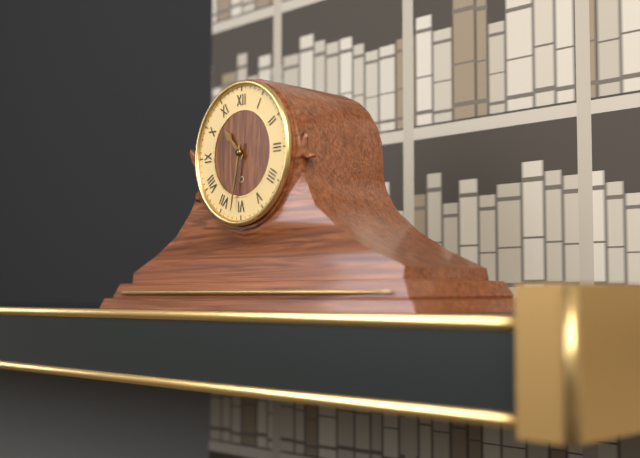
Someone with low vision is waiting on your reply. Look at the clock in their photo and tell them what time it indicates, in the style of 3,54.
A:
10,32
